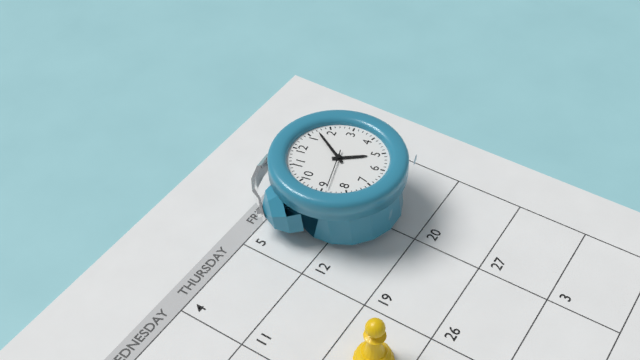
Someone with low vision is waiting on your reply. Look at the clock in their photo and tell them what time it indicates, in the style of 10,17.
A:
5,07
